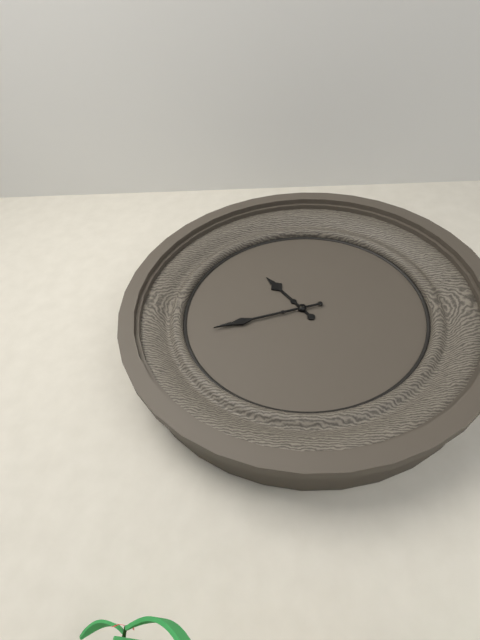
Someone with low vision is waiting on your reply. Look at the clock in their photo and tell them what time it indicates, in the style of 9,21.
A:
10,42
